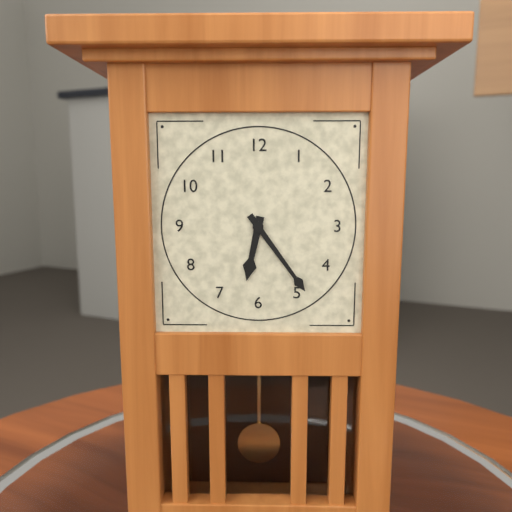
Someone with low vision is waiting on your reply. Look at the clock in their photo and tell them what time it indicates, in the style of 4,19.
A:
6,24
